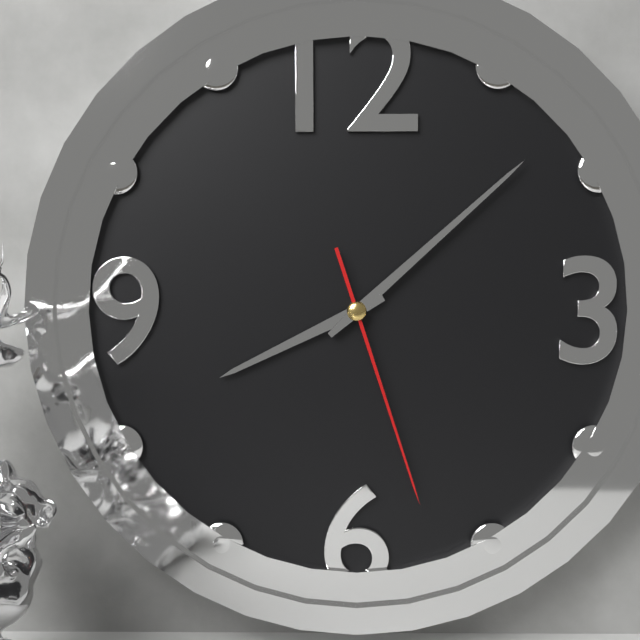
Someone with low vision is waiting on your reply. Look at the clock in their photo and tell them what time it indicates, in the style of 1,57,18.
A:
8,08,27
